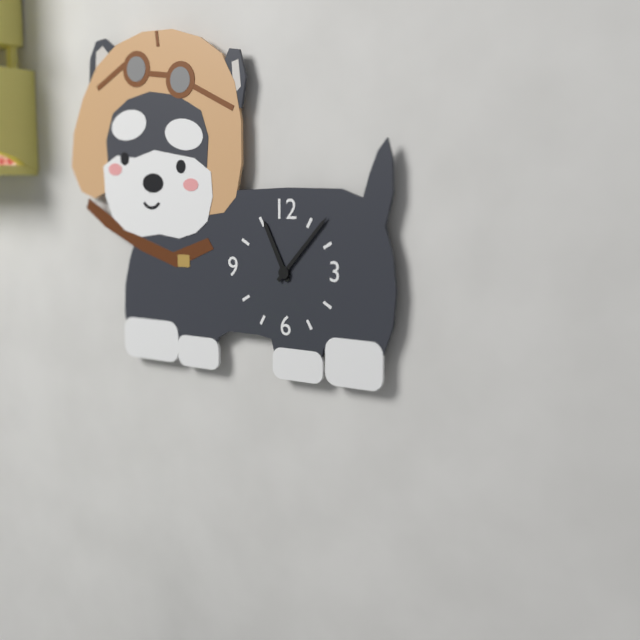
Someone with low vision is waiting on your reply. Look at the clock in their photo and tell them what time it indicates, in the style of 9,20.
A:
11,07
